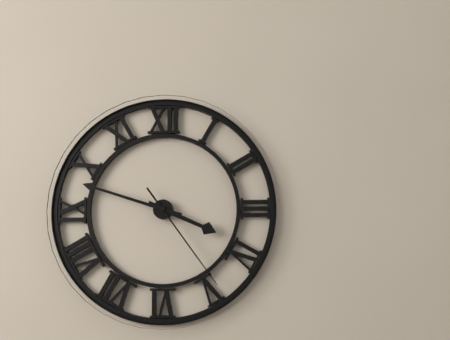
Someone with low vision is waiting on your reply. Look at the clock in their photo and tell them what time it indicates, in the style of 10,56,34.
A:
3,48,24
